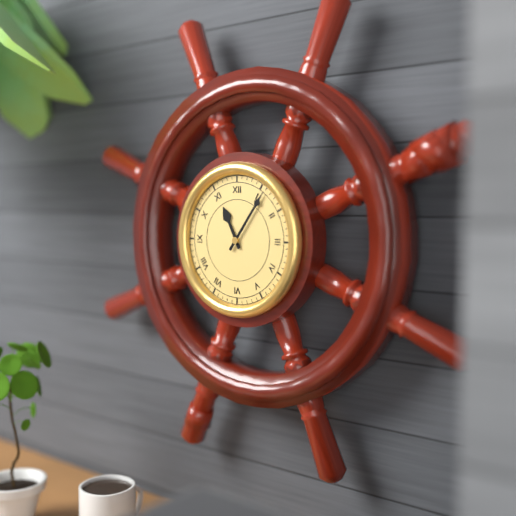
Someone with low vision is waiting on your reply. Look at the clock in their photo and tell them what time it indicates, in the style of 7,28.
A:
11,06
